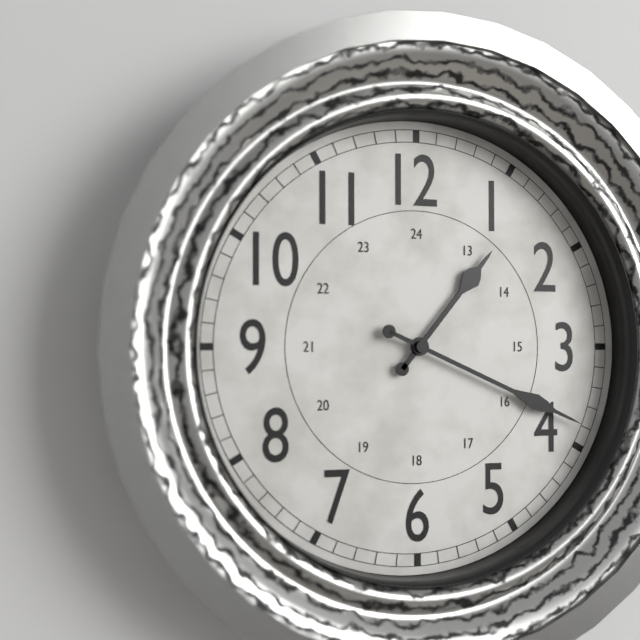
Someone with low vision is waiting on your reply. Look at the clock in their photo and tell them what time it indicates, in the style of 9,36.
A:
1,19
